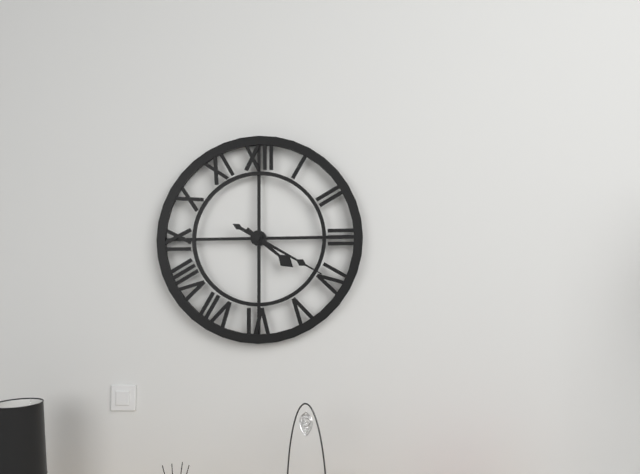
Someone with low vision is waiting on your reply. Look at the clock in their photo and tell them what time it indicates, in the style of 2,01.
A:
4,20
